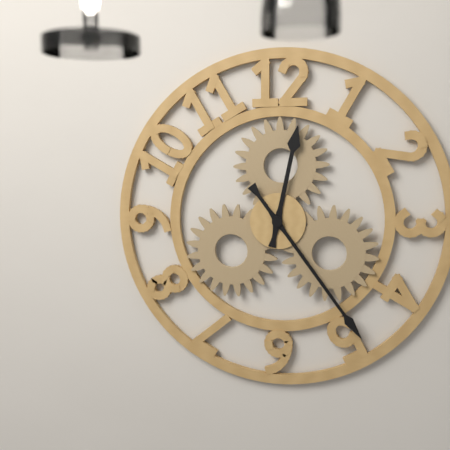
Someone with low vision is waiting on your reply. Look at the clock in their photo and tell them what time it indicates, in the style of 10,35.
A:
12,24
